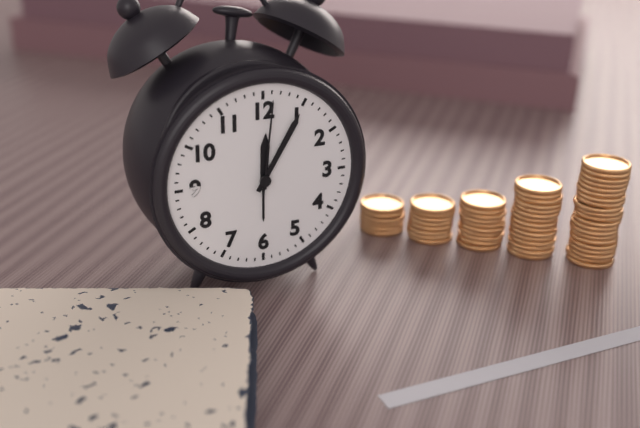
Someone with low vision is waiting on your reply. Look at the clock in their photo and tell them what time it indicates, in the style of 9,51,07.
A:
12,05,01
